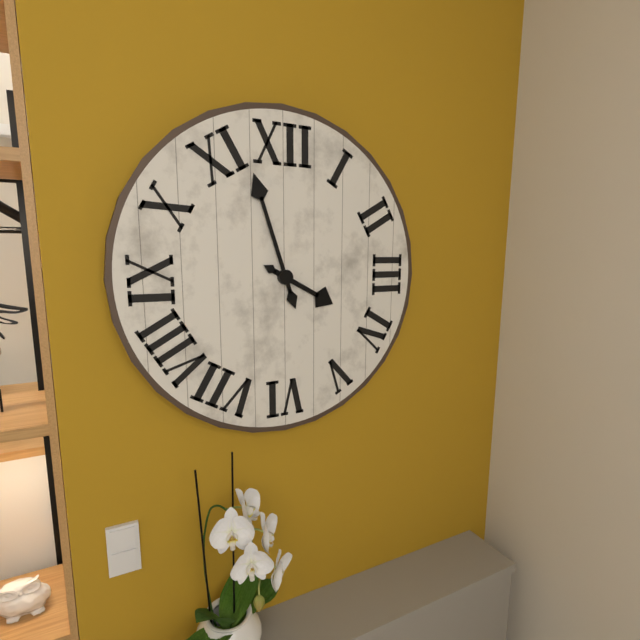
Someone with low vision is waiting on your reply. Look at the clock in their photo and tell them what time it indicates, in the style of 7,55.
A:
3,57
